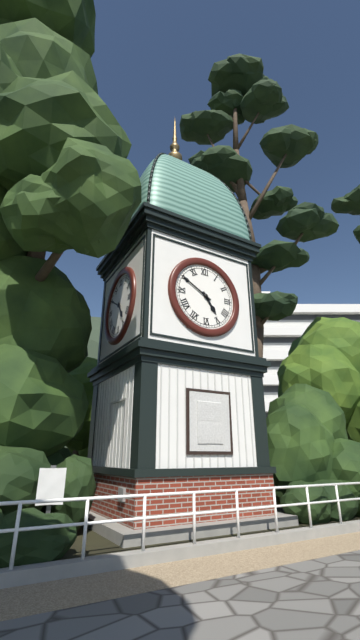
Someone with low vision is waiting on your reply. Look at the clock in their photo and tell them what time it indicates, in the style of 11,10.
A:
4,50
